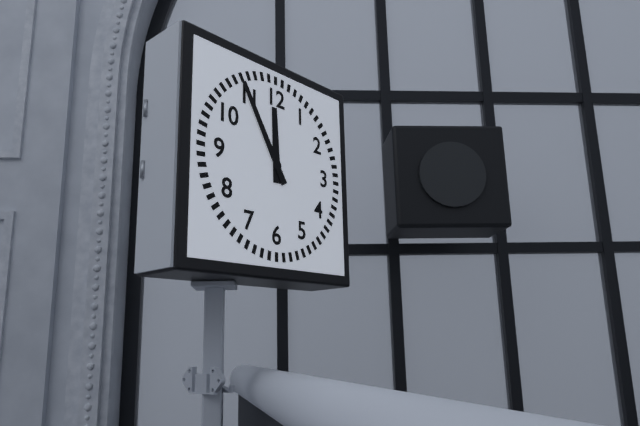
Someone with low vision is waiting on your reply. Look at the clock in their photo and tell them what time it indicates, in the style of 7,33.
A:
11,55
